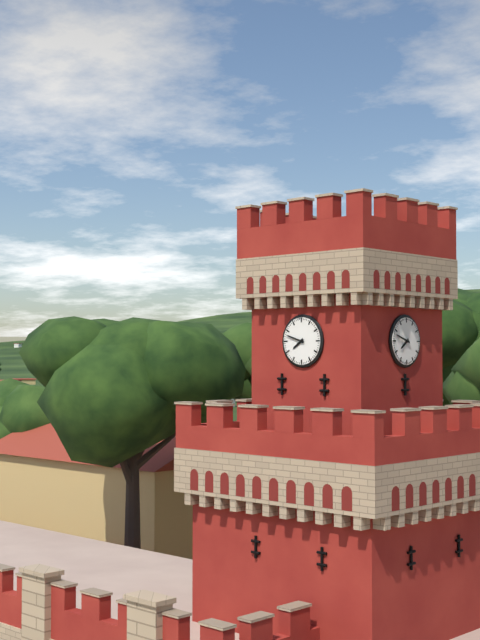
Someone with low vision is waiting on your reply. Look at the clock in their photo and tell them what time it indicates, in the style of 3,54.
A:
7,48
